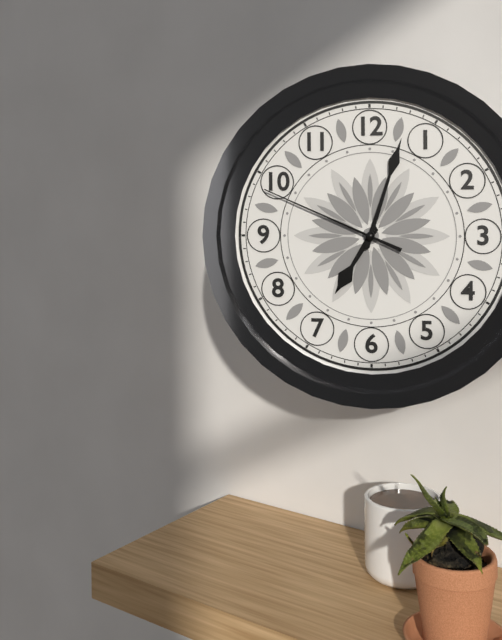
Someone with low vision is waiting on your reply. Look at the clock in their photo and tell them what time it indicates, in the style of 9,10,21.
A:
7,03,49
